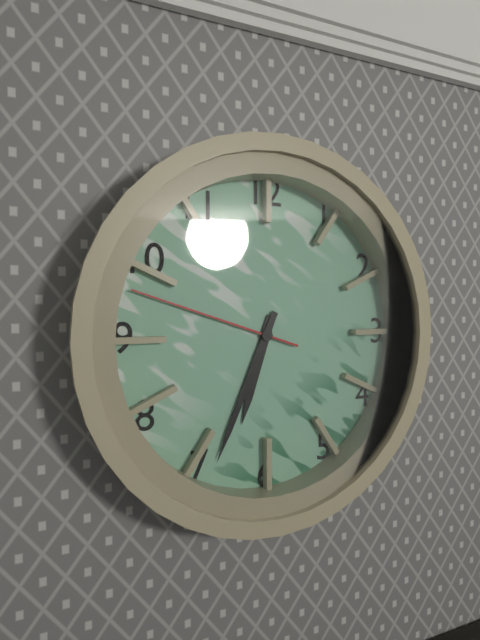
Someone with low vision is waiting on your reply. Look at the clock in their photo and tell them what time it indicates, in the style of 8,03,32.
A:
6,34,48
